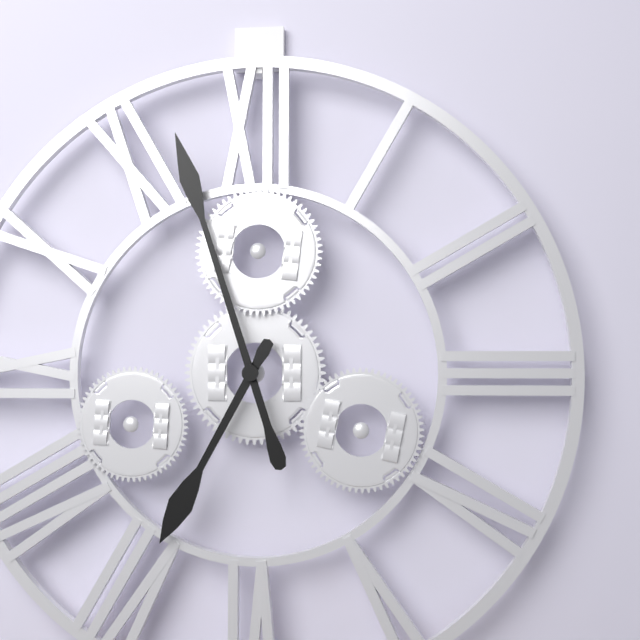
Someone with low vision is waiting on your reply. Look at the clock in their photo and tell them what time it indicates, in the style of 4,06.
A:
6,57
